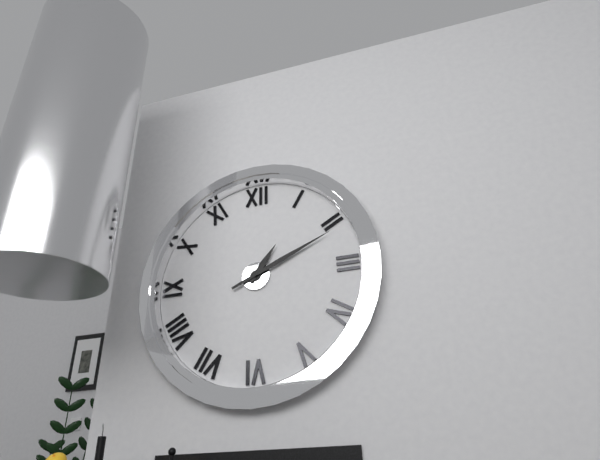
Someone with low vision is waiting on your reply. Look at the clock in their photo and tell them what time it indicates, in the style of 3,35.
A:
1,11
